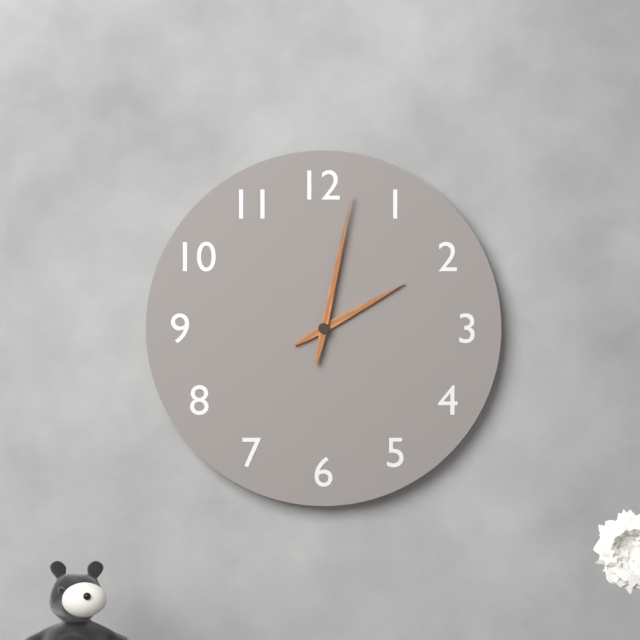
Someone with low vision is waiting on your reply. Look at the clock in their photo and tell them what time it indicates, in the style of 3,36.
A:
2,02
